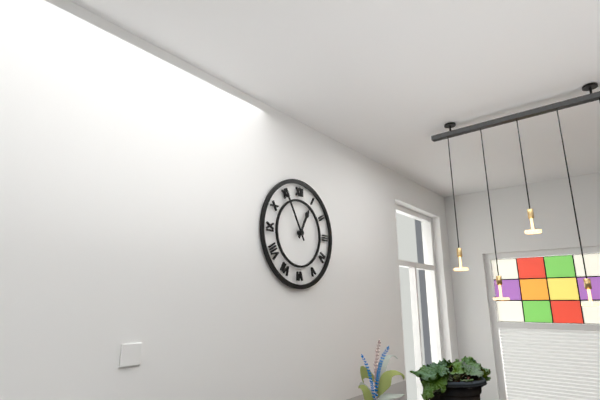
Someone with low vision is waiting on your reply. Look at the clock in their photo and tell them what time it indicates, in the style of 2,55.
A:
12,55
